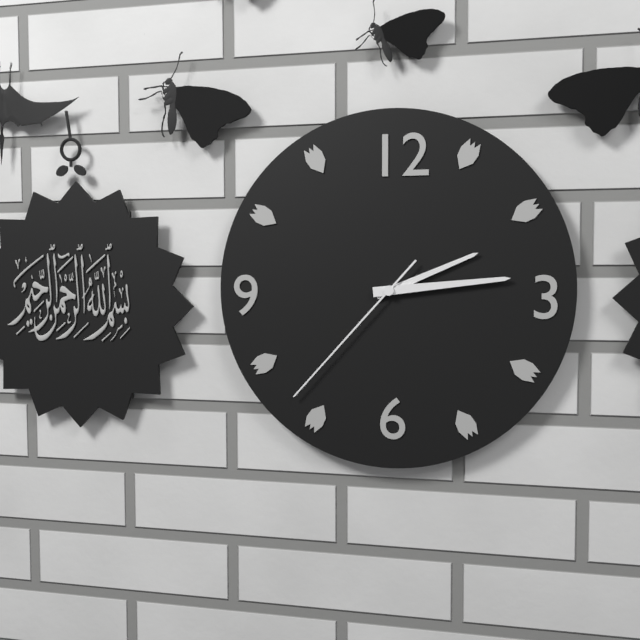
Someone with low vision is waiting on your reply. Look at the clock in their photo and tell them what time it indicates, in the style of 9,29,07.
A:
2,14,37
